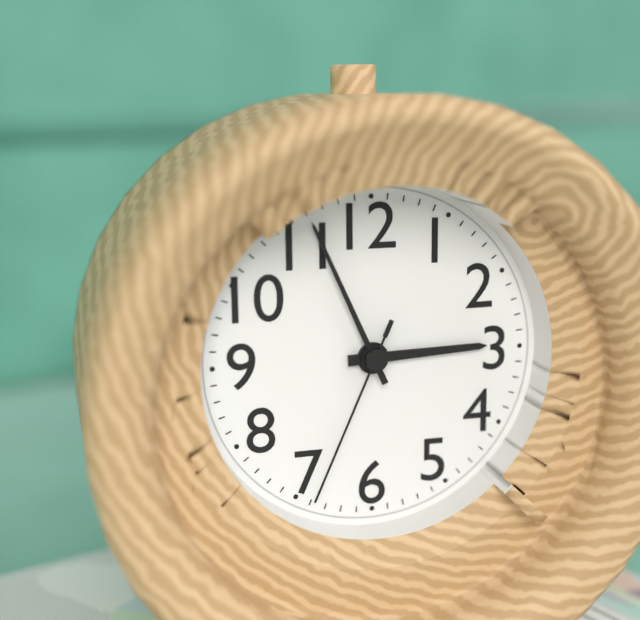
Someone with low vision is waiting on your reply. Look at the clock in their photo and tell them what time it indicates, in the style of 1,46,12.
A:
2,56,34
